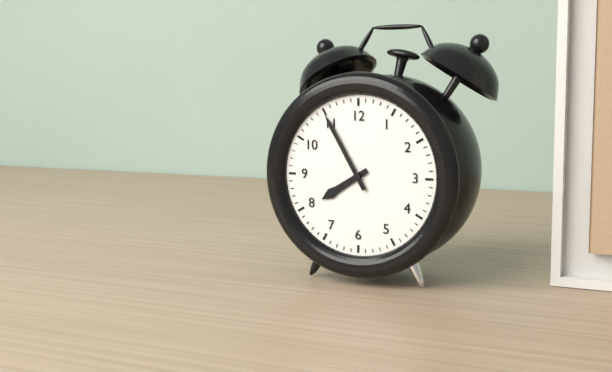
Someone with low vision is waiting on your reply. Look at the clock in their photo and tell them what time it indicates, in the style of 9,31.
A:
7,55
